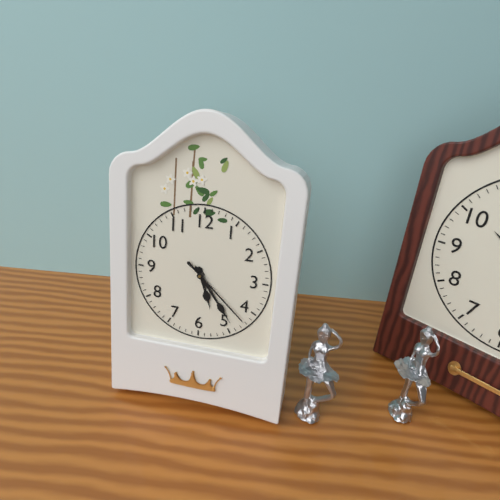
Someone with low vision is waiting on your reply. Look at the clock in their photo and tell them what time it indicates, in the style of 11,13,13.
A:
5,24,22
